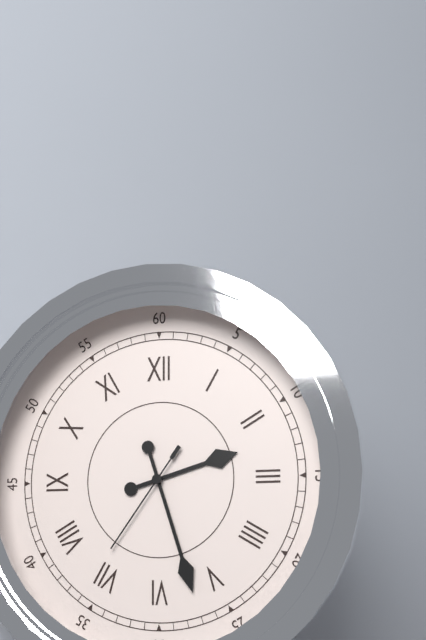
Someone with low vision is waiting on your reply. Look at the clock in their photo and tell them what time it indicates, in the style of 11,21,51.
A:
2,27,36
